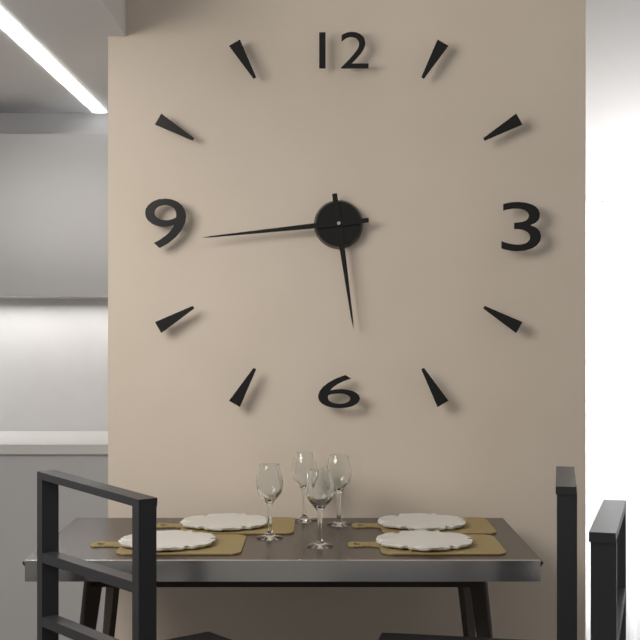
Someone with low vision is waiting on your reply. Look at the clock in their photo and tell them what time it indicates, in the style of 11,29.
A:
5,44
